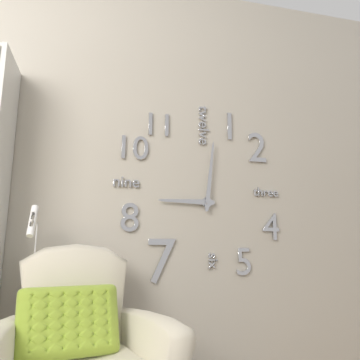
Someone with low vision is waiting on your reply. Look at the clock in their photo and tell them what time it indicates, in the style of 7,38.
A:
9,01
